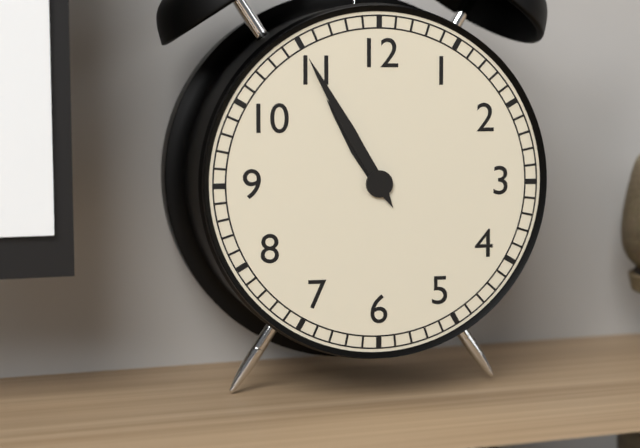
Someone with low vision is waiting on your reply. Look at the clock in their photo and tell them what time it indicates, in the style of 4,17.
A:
10,55
